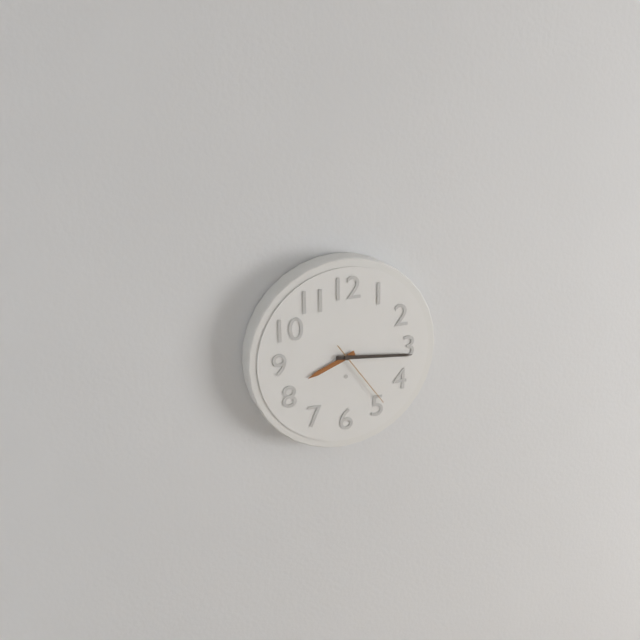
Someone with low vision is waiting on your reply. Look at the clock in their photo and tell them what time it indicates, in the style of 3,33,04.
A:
8,16,24
